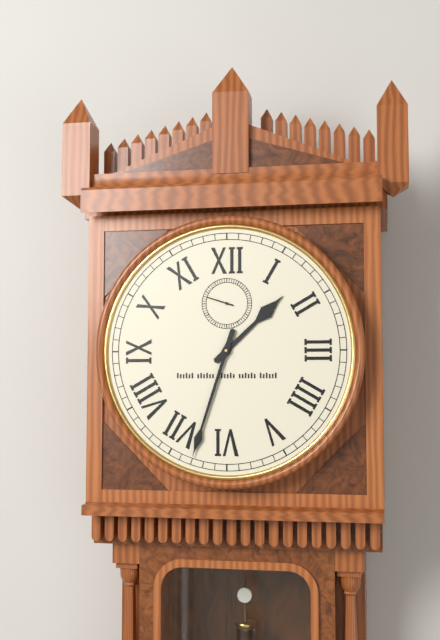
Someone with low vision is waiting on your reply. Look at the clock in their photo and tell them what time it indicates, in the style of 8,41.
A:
1,33
